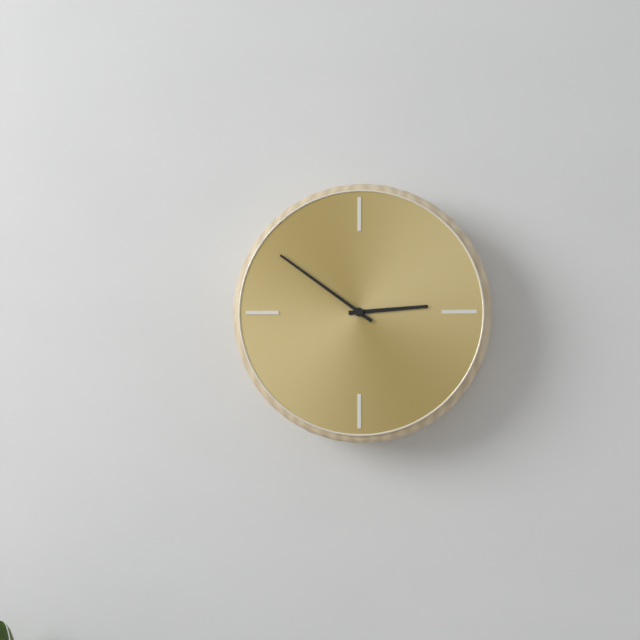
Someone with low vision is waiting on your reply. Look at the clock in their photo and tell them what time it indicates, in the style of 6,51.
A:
2,51
